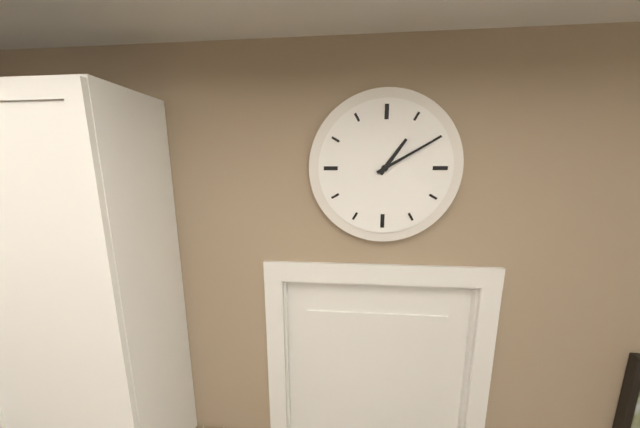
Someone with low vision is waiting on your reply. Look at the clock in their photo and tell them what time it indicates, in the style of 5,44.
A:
1,10
